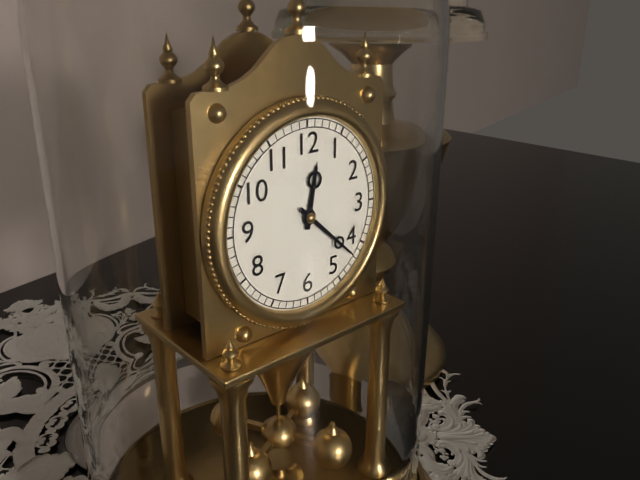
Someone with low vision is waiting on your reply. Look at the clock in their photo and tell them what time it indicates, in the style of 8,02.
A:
12,22
